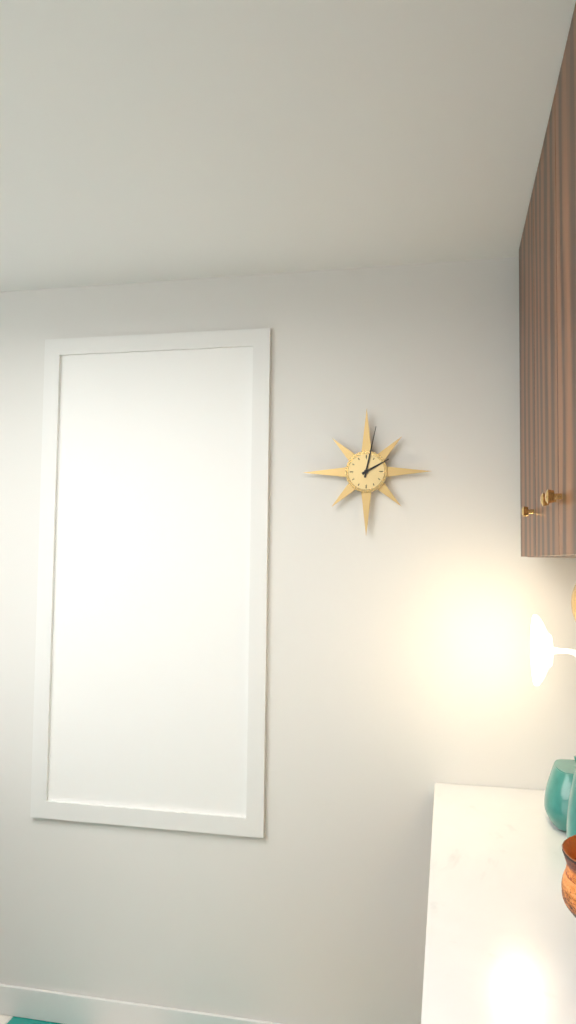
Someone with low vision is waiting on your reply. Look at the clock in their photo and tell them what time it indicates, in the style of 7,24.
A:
2,02
